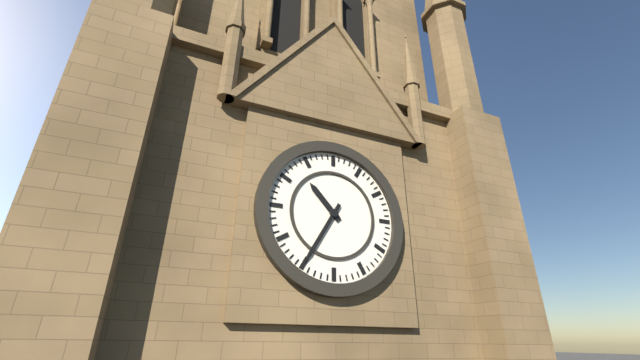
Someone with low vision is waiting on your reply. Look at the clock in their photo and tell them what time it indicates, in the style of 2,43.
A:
10,35
